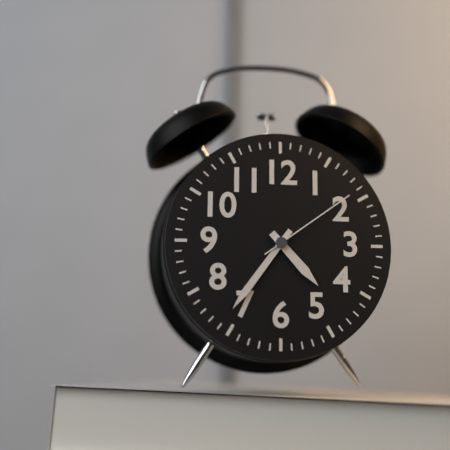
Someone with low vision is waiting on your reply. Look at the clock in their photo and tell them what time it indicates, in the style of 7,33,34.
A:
4,36,09
